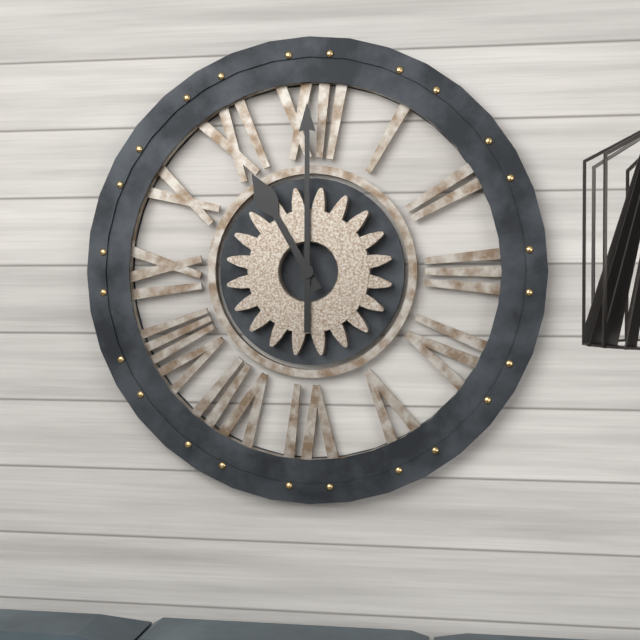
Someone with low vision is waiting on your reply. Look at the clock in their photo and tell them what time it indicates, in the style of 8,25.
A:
11,00
